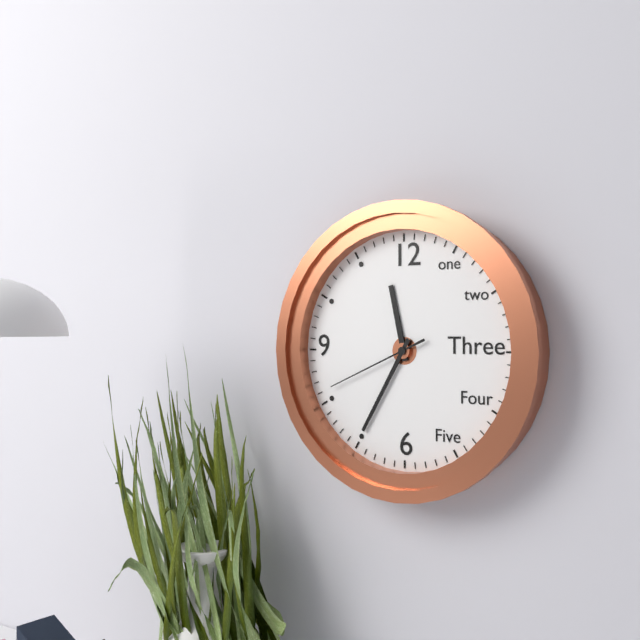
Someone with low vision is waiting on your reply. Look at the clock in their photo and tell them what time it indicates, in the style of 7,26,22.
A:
11,35,41
